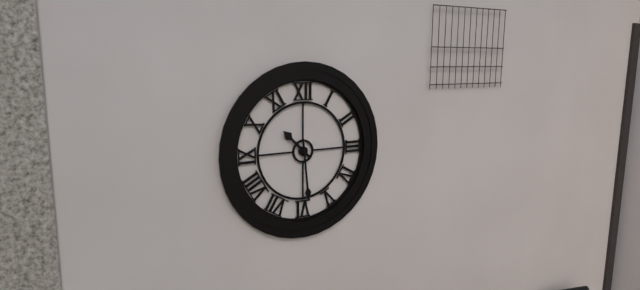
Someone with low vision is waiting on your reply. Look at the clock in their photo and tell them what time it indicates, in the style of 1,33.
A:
10,29
